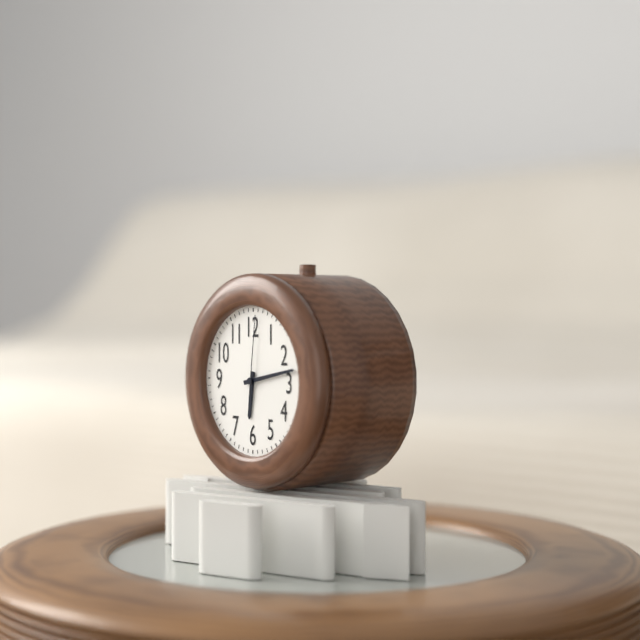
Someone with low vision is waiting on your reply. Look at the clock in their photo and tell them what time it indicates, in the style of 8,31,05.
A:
6,13,01
